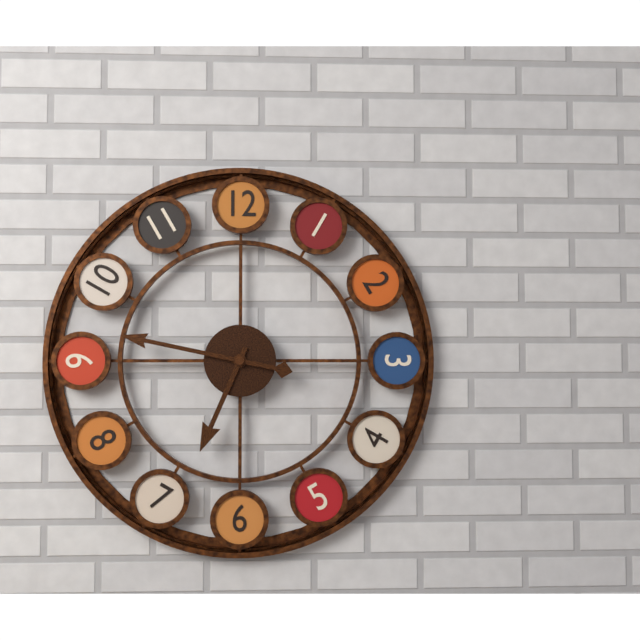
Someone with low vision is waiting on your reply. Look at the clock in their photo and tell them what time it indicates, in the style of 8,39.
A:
6,47
